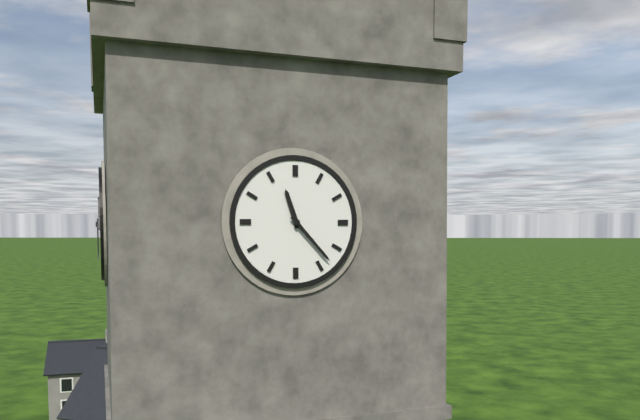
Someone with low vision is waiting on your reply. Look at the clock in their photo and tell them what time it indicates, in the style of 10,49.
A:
11,23
